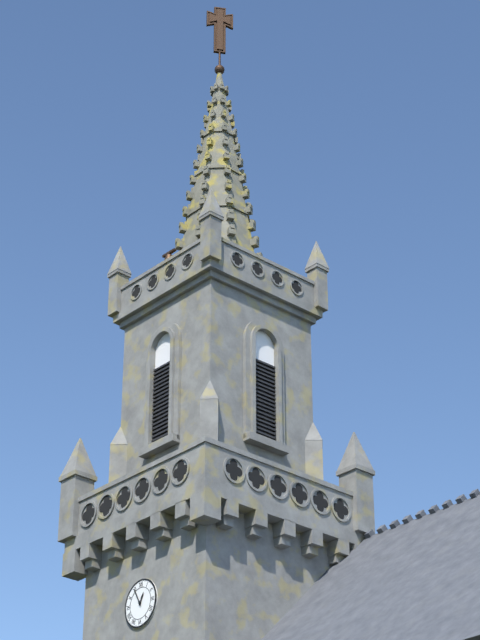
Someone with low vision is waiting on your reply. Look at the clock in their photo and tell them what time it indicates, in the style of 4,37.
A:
12,55
